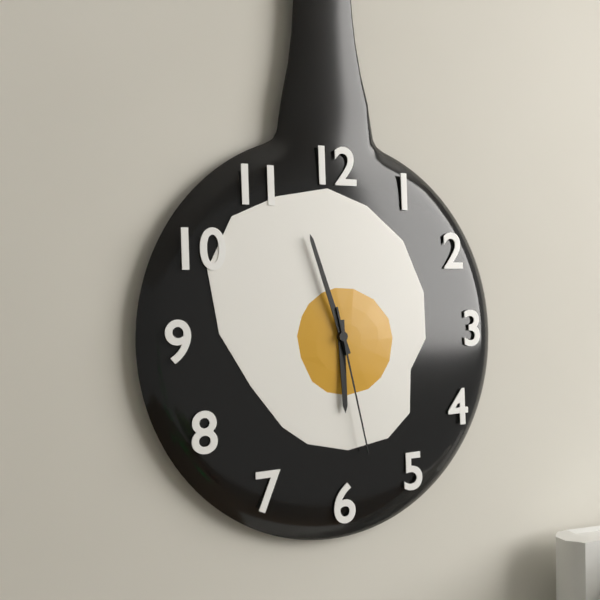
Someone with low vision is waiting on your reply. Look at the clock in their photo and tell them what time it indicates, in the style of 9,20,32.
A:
5,57,28
